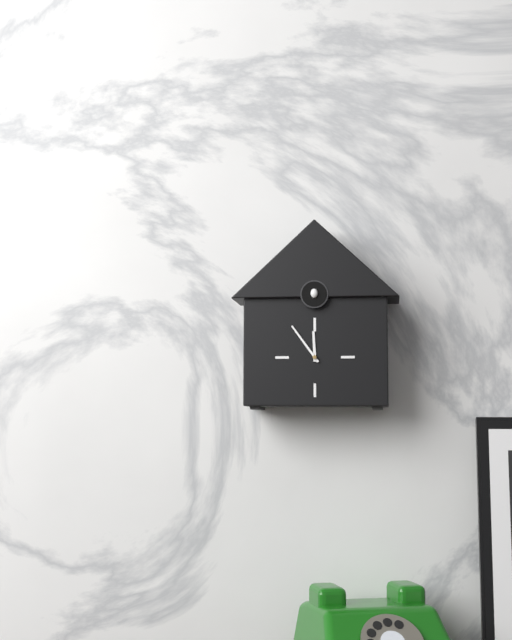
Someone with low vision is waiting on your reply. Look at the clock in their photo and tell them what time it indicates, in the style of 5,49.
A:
11,54
